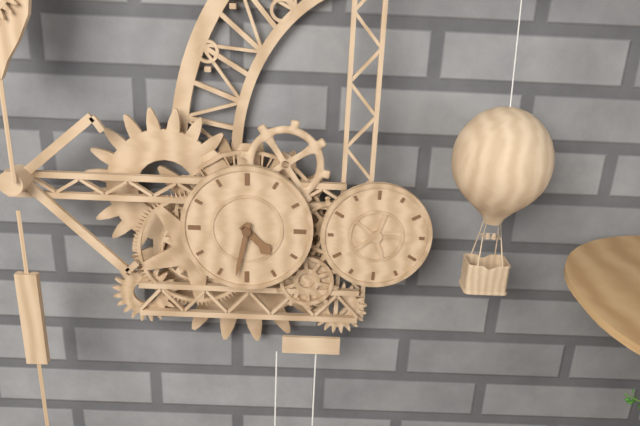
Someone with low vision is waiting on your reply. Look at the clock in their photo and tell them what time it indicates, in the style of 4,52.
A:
4,32
